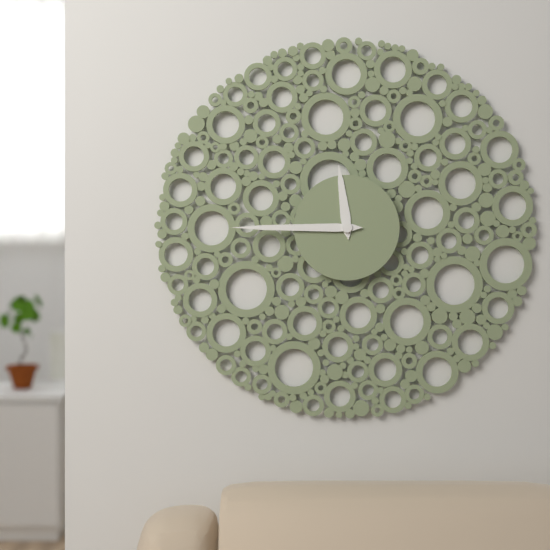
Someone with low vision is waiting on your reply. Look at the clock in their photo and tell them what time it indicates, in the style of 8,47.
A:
11,45
